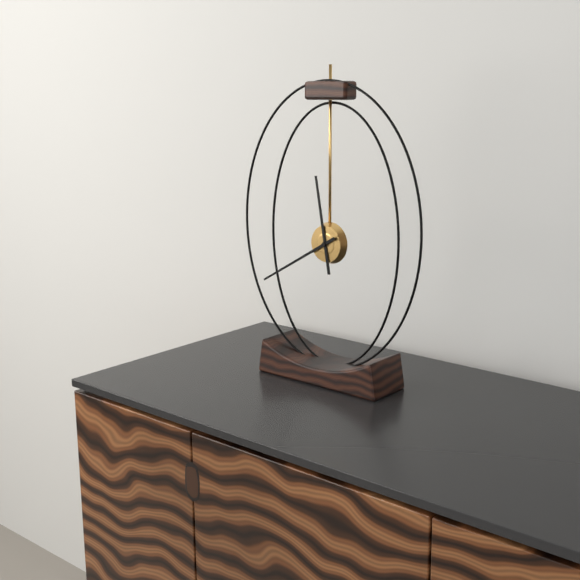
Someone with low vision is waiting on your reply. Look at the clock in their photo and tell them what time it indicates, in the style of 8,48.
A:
11,40
